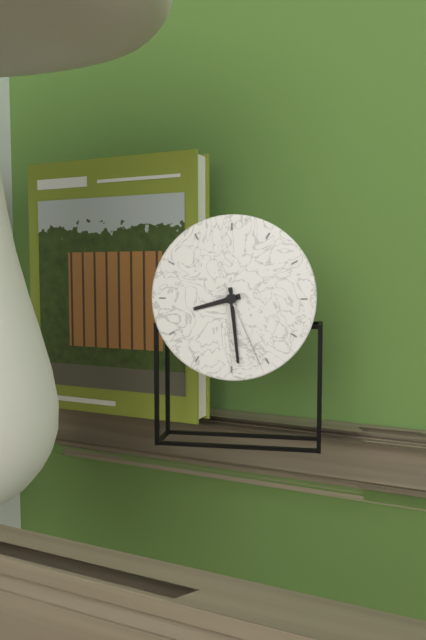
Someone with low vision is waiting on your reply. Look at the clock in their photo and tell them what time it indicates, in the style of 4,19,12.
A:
8,29,26
